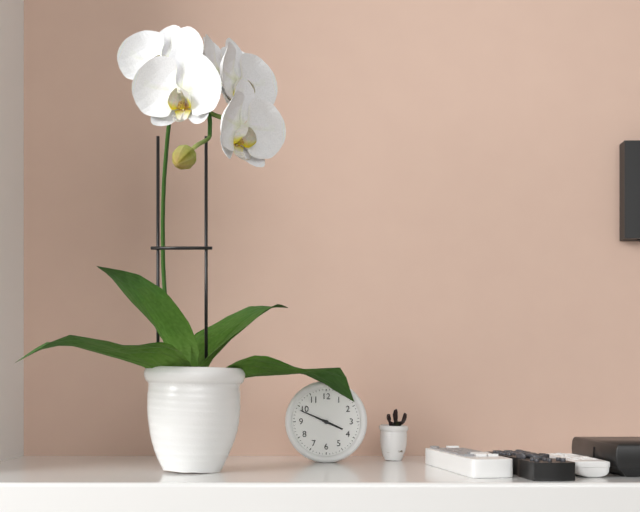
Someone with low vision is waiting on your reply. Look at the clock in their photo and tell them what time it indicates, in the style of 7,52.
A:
3,49
